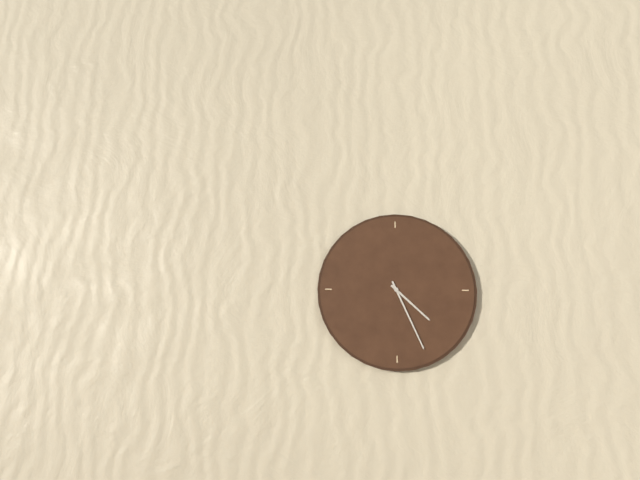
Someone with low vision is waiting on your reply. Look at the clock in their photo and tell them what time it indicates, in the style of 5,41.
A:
4,26
